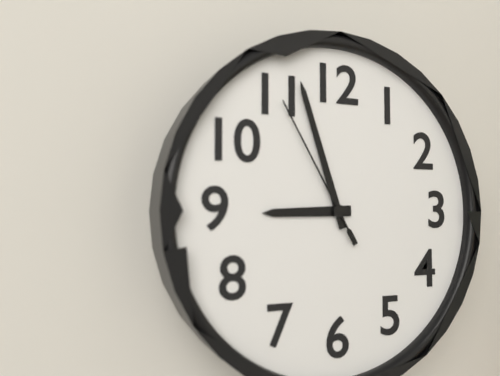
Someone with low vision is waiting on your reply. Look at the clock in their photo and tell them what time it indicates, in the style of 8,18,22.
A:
8,57,55
